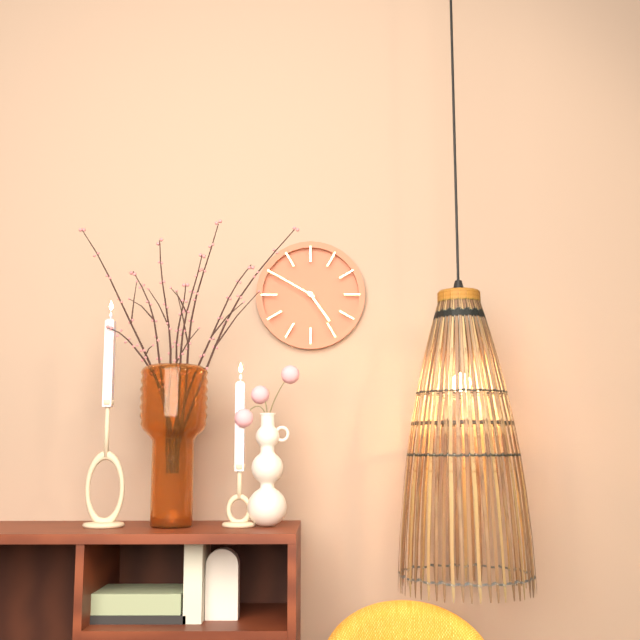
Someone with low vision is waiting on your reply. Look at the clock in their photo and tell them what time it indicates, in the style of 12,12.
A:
4,50
